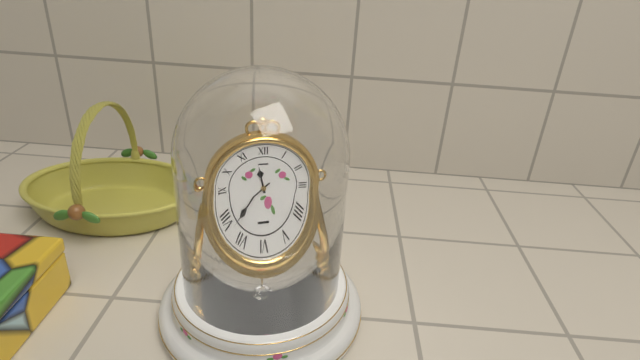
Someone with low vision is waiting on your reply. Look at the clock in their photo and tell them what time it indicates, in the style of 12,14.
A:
11,38
